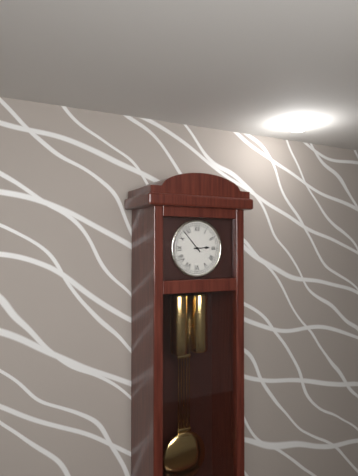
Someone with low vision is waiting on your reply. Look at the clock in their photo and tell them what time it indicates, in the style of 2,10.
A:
2,53
